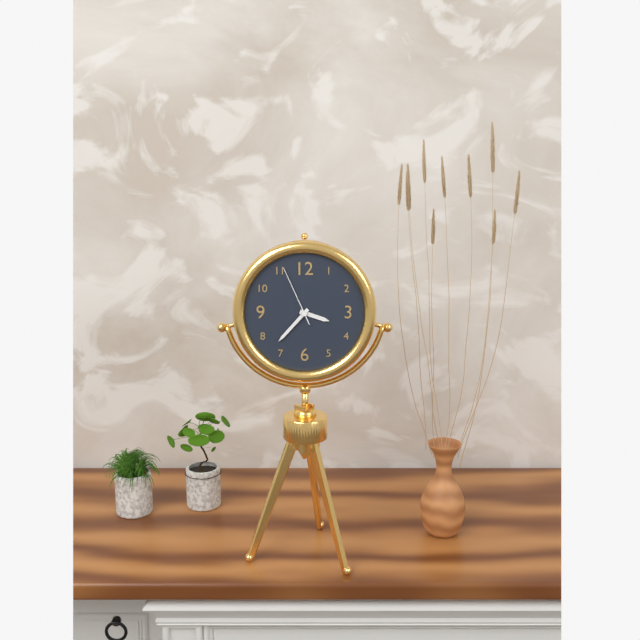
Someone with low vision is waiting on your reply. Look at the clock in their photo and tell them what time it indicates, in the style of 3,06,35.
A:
3,37,56
